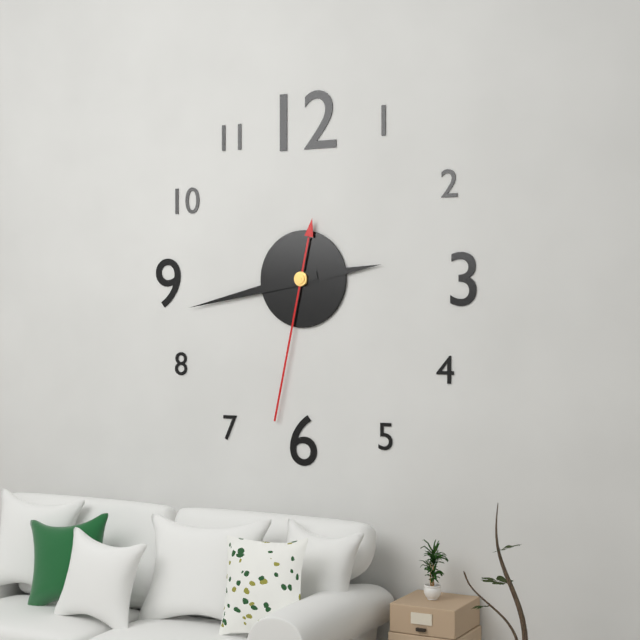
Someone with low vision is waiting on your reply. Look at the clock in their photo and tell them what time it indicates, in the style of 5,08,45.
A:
2,43,32
